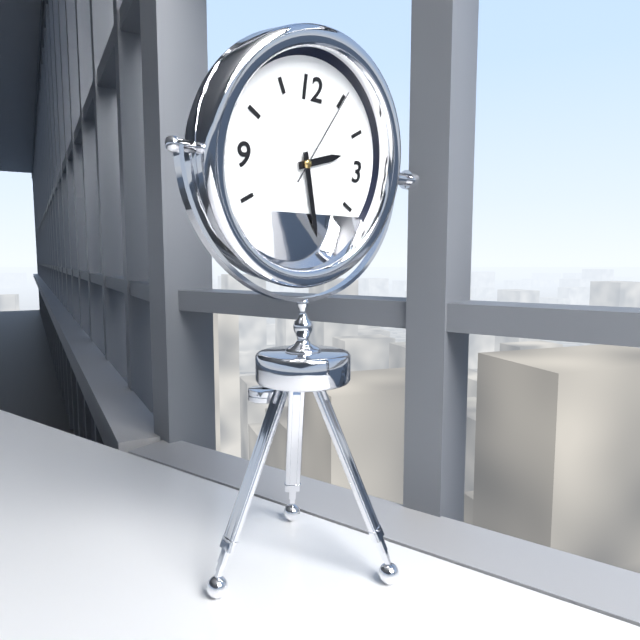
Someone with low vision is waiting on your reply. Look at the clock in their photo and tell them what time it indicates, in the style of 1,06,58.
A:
2,27,05
